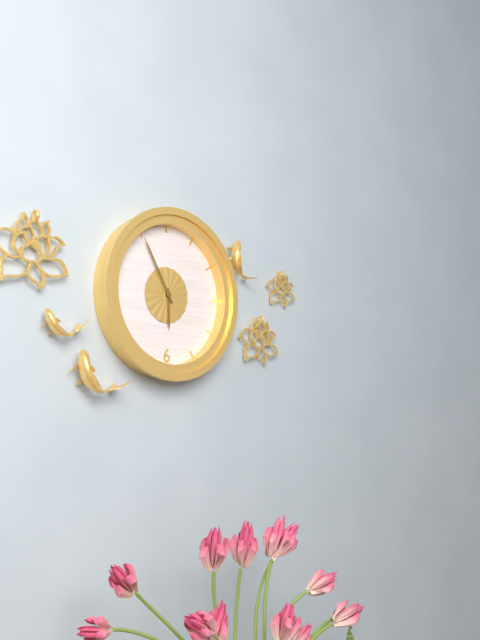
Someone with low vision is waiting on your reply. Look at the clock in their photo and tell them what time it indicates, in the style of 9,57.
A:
5,55
